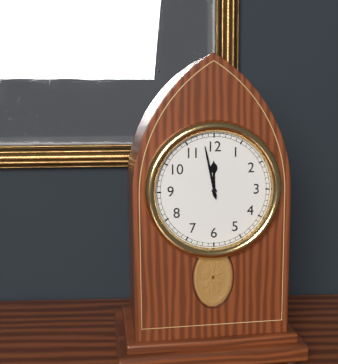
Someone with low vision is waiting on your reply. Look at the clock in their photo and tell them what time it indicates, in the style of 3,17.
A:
11,58
